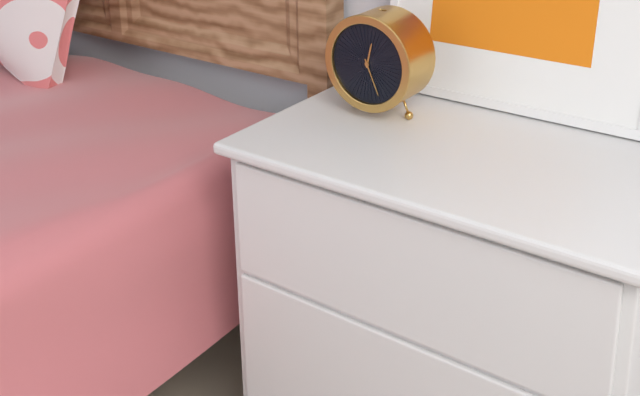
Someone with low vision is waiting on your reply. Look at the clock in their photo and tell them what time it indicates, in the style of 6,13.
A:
12,26
